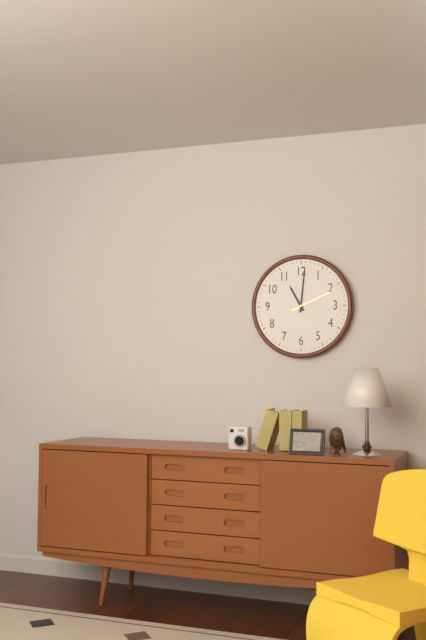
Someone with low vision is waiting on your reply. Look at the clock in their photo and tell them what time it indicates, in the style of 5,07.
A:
11,01
